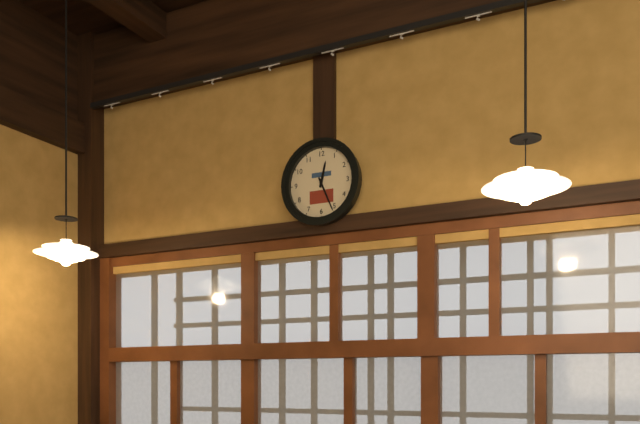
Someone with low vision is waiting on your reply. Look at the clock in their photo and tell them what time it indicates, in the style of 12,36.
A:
12,26
